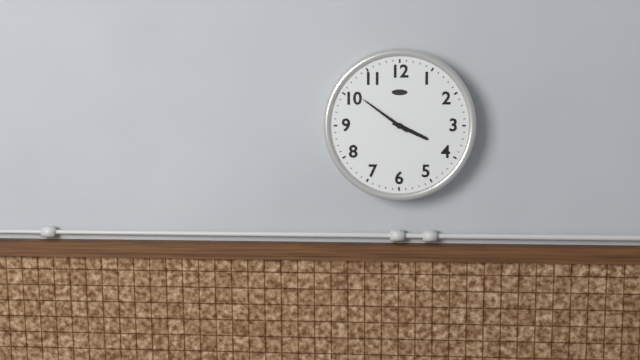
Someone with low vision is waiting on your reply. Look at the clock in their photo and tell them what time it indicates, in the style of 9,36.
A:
3,51
